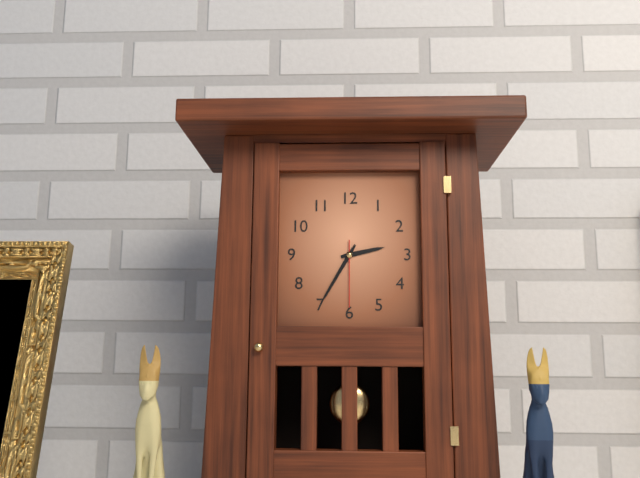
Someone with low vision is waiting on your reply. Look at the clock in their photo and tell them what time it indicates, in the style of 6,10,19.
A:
2,35,30
